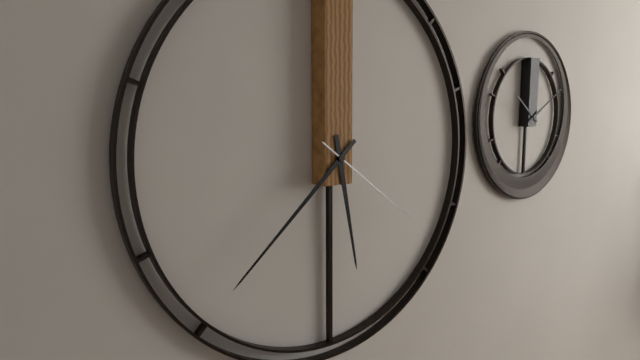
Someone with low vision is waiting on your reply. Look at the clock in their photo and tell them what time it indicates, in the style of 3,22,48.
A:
5,38,21
